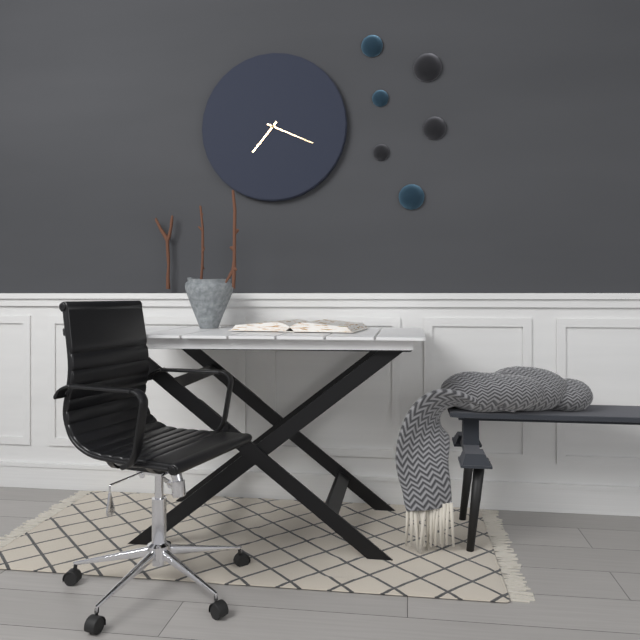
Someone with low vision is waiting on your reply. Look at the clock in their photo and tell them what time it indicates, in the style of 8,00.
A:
7,19
